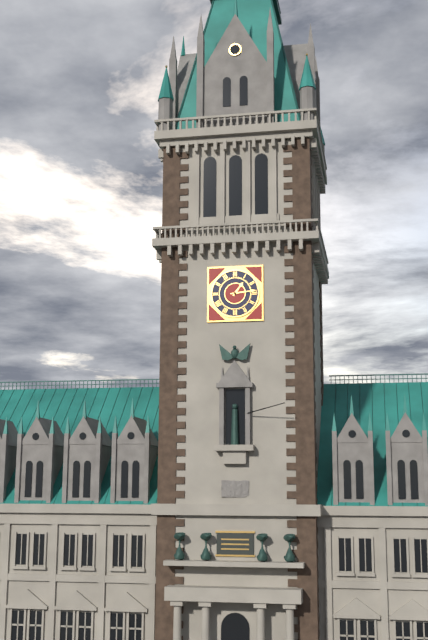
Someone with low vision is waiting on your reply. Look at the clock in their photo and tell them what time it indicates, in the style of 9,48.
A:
1,14
